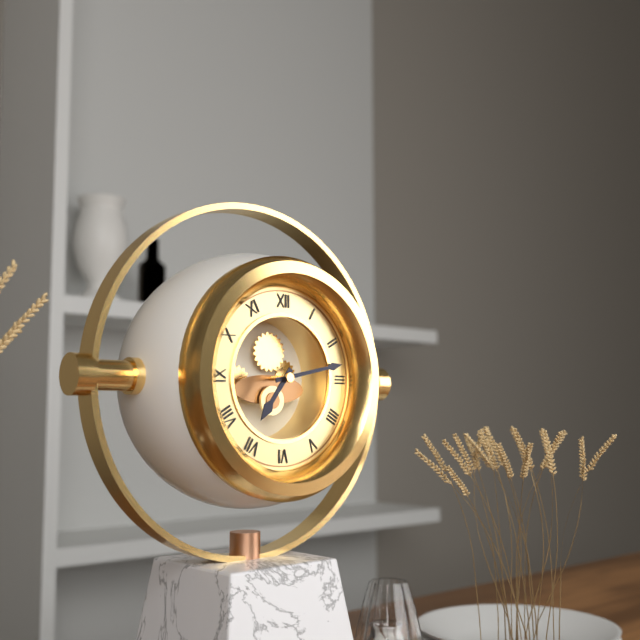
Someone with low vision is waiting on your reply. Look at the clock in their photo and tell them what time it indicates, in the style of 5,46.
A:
7,13
